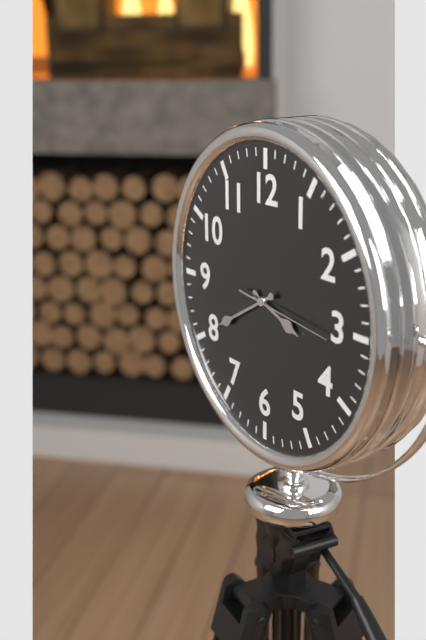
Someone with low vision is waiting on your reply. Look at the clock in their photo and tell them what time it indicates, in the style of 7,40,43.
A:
3,40,16
